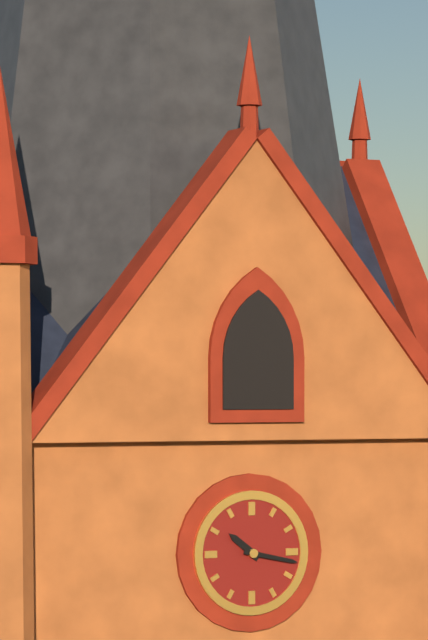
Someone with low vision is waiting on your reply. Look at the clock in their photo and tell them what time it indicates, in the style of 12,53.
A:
10,17
